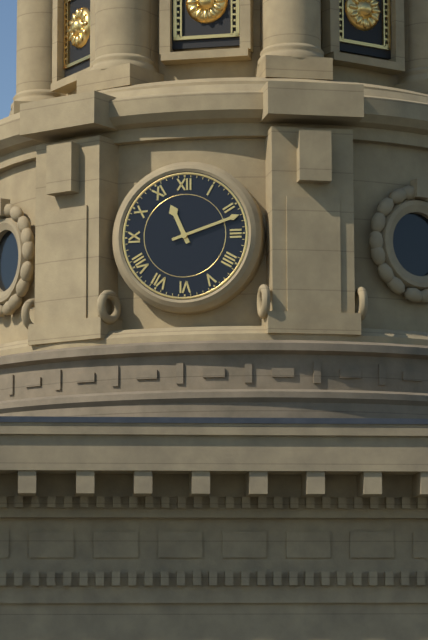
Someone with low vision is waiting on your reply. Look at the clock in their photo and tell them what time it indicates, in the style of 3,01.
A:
11,12
